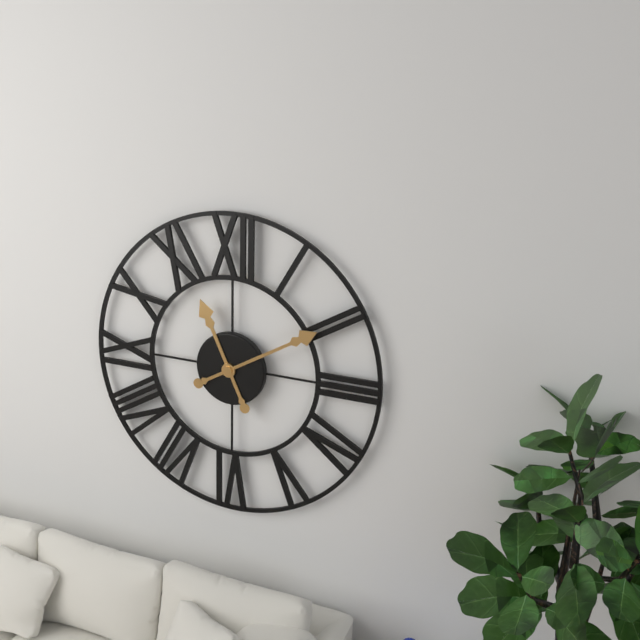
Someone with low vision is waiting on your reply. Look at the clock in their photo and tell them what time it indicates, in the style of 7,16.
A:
11,10
